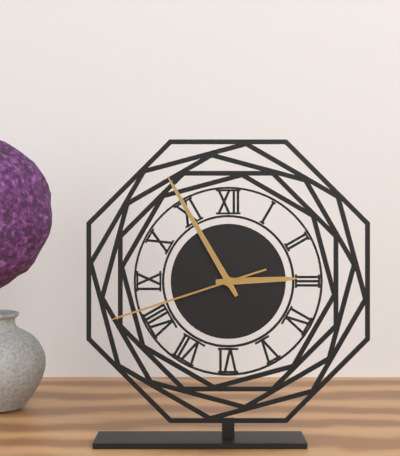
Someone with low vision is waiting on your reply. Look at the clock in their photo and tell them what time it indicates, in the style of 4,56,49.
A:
2,55,42
